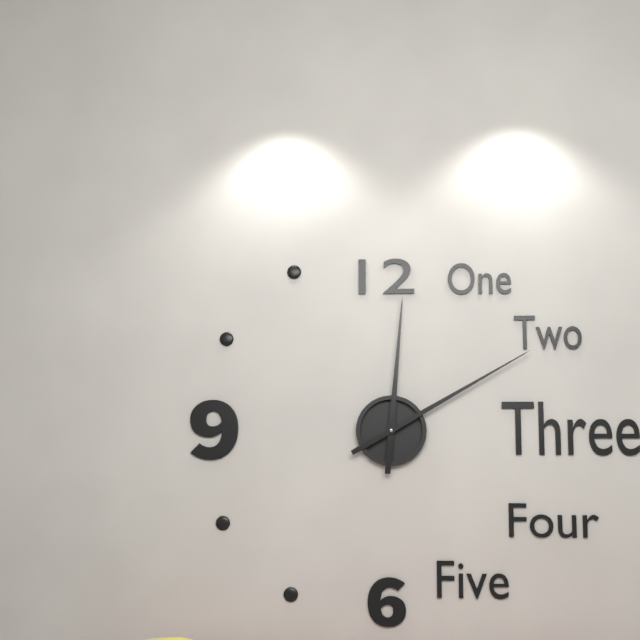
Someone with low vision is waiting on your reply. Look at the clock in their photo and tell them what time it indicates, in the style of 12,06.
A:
12,10
